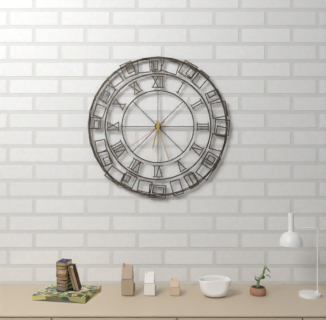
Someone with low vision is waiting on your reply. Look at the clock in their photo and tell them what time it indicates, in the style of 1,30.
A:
6,27
